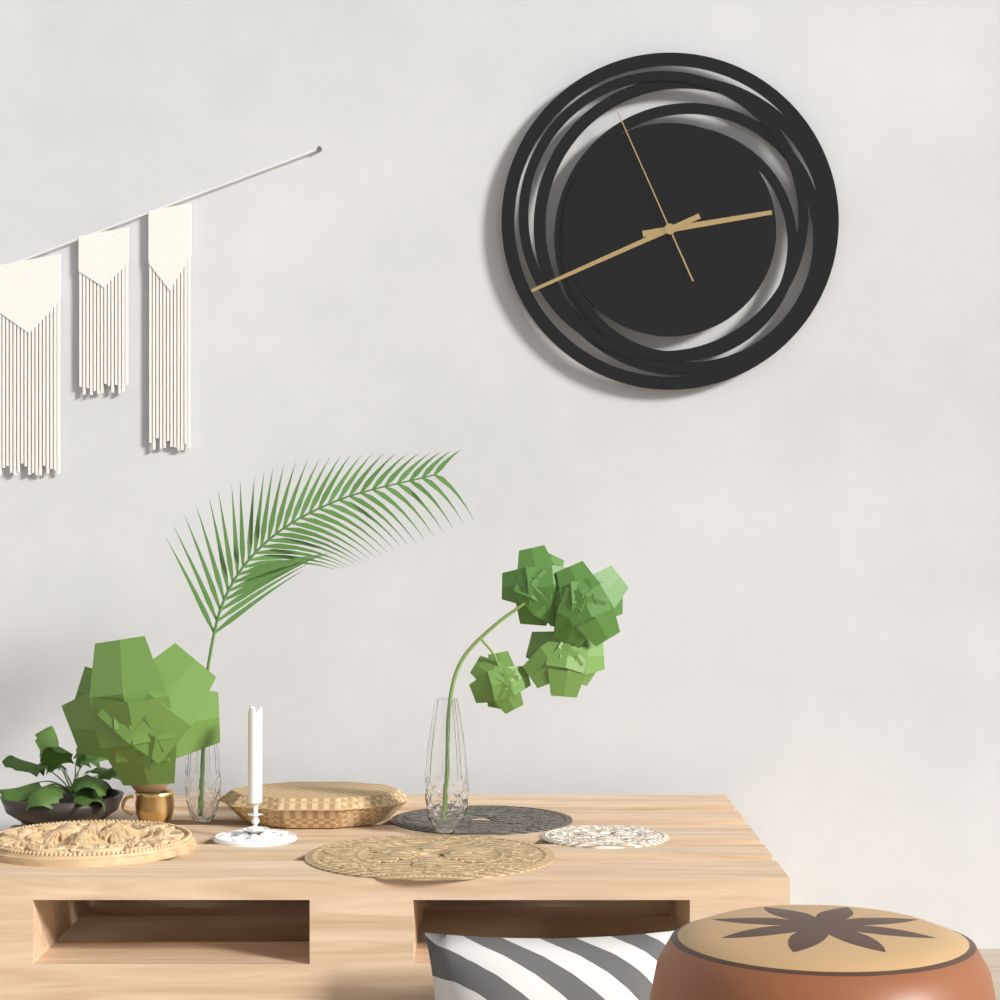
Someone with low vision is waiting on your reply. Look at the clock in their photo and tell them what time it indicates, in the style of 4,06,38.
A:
2,41,56
